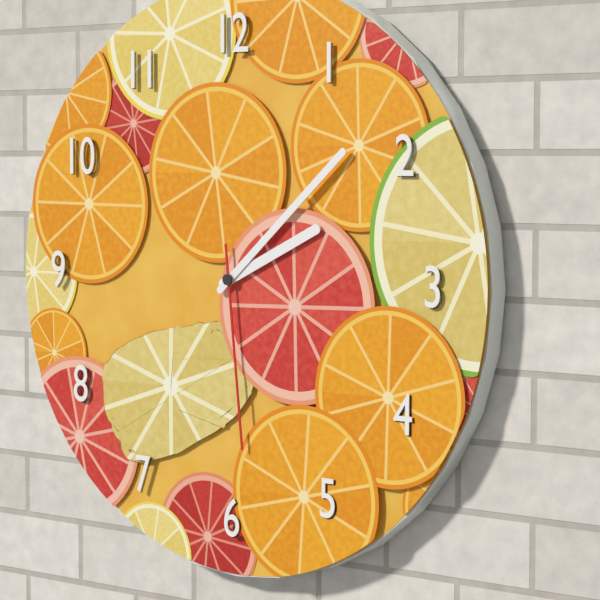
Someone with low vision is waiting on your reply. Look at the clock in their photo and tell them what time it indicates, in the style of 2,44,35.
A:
2,08,29
